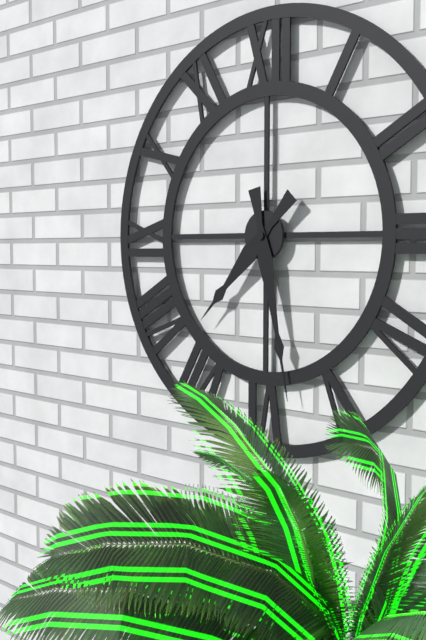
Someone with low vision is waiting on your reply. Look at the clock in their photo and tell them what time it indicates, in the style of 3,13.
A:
7,28
